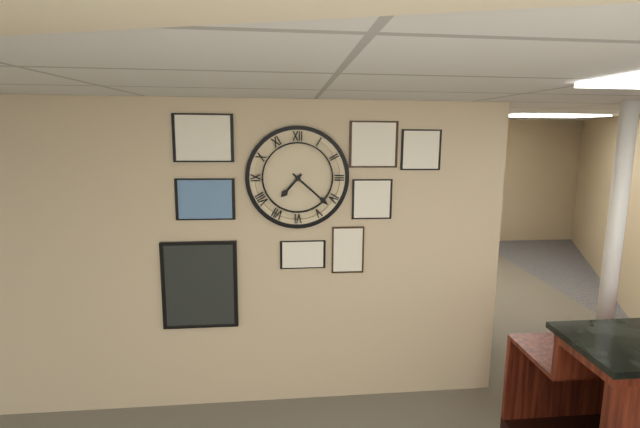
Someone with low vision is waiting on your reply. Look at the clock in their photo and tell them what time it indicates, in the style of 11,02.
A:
7,22
